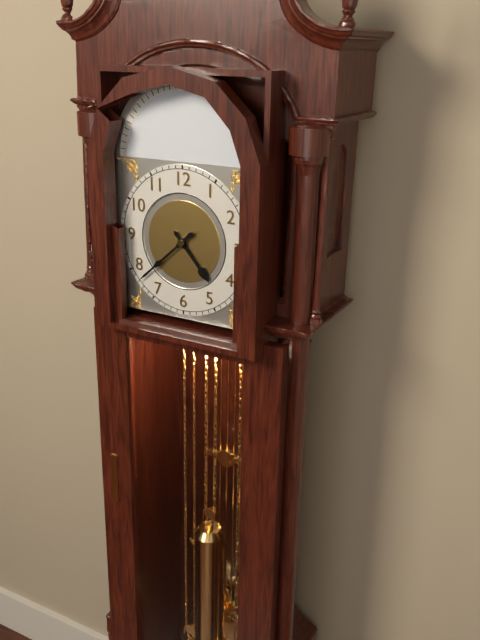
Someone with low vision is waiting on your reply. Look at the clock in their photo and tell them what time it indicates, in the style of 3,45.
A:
4,38
